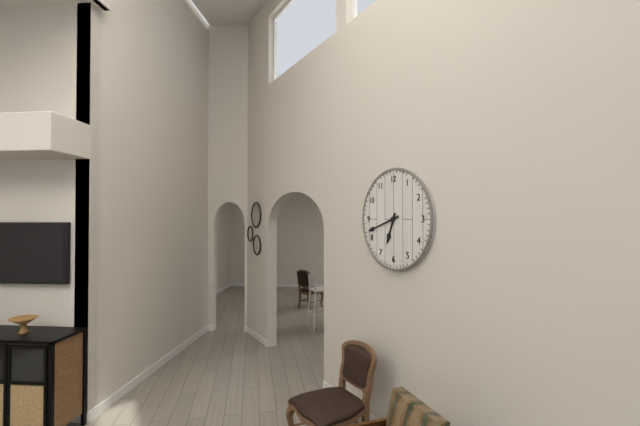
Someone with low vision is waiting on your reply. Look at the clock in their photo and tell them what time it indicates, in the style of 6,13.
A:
6,42
